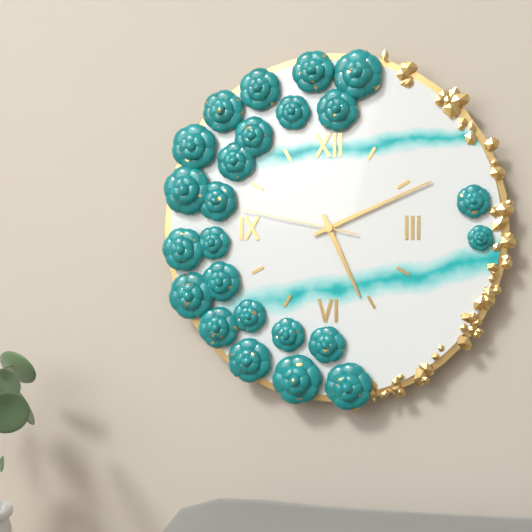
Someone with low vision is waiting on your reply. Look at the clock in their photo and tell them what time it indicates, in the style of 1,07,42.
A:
5,11,47
